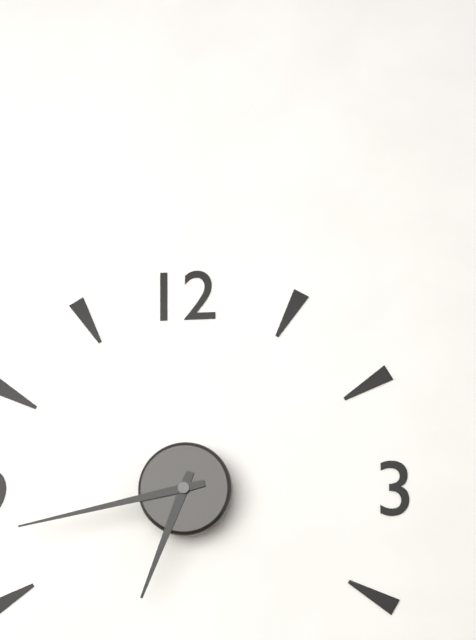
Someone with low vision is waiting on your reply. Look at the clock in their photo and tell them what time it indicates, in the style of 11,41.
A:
6,43
